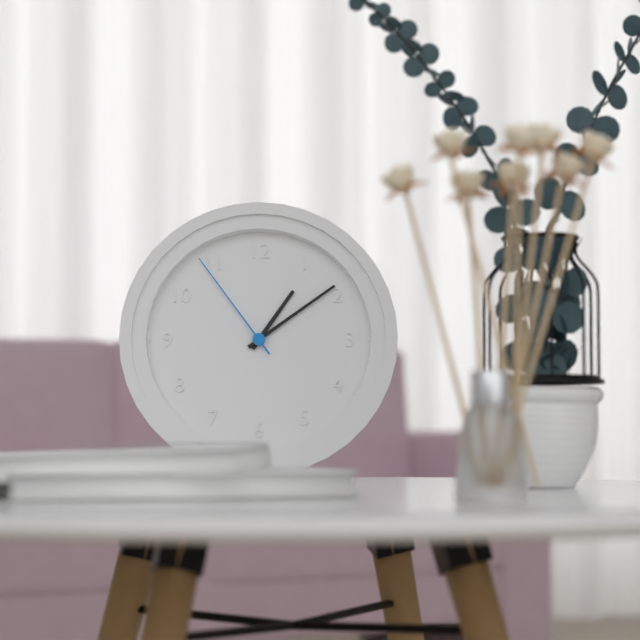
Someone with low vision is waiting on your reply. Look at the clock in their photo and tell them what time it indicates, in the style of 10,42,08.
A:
1,09,54
